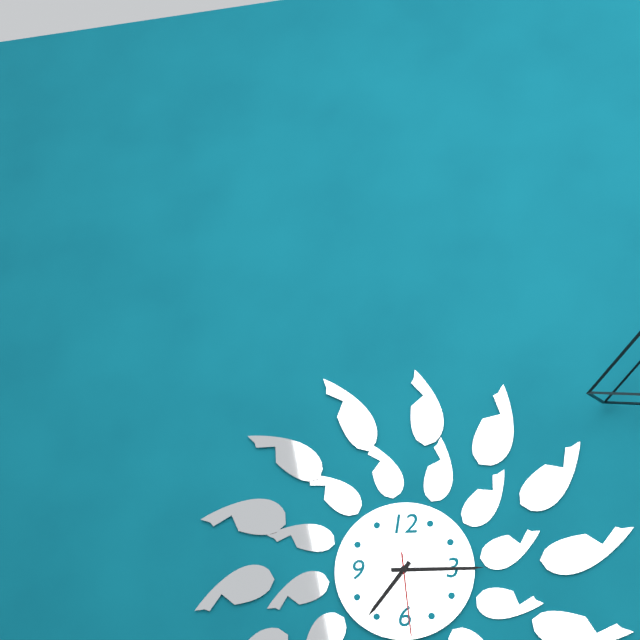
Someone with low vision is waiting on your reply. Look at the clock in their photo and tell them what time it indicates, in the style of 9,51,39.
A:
7,15,29
